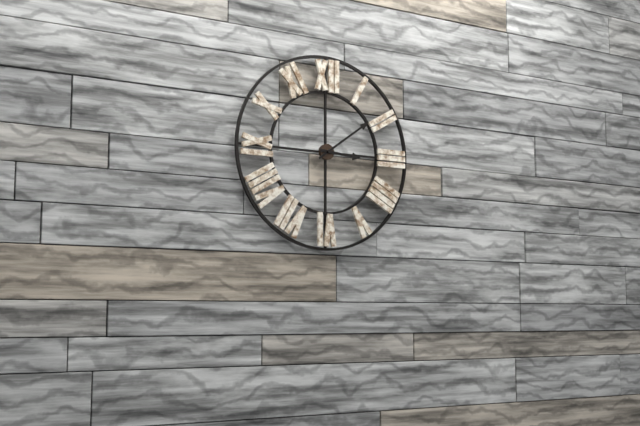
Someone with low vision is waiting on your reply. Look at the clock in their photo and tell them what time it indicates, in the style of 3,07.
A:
3,09
